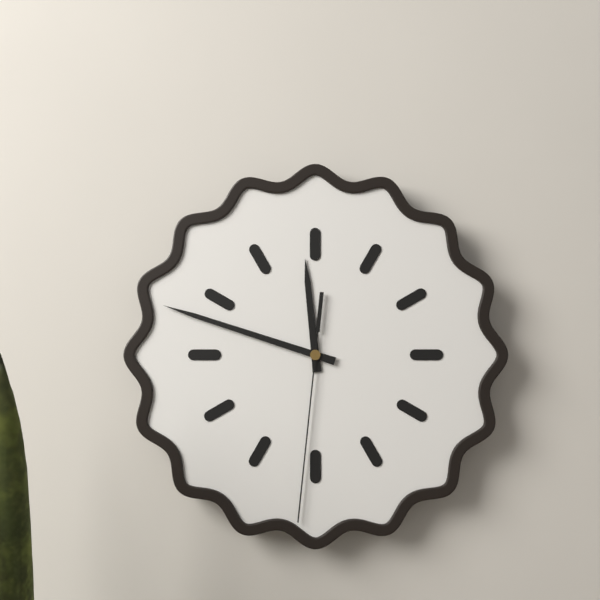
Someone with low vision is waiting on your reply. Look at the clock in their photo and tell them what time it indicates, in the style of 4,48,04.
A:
11,48,31
